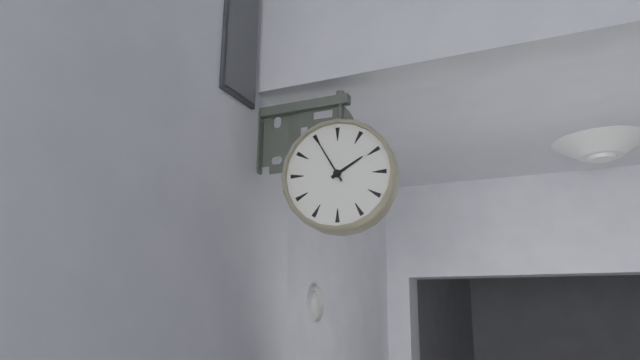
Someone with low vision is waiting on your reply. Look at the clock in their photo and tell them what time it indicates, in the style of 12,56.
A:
1,55
